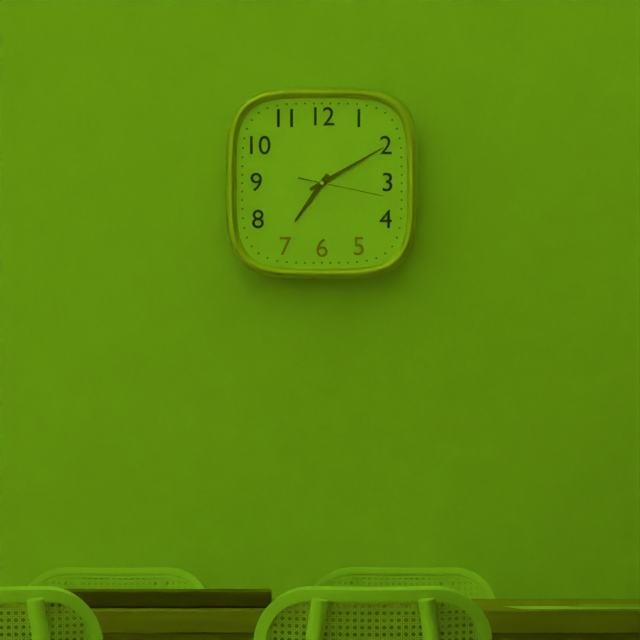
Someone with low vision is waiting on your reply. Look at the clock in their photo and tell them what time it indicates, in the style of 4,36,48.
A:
7,10,17
